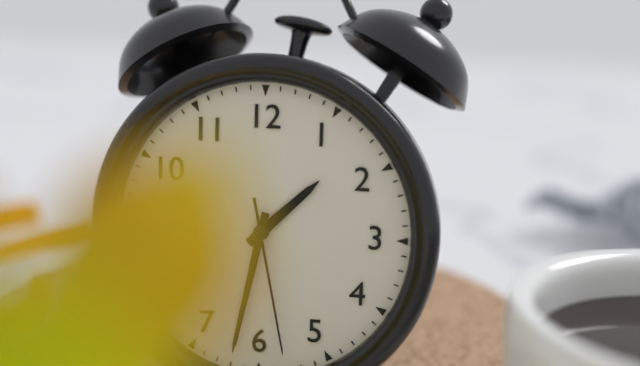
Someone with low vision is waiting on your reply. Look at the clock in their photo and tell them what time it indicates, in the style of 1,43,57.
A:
1,32,28
